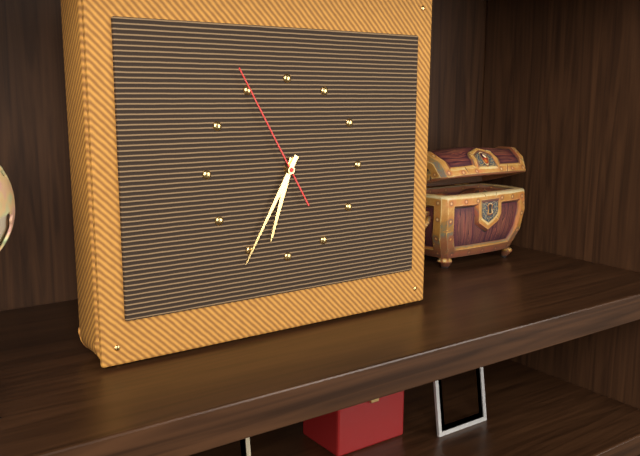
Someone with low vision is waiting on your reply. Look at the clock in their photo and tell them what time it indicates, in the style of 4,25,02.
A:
6,35,55
